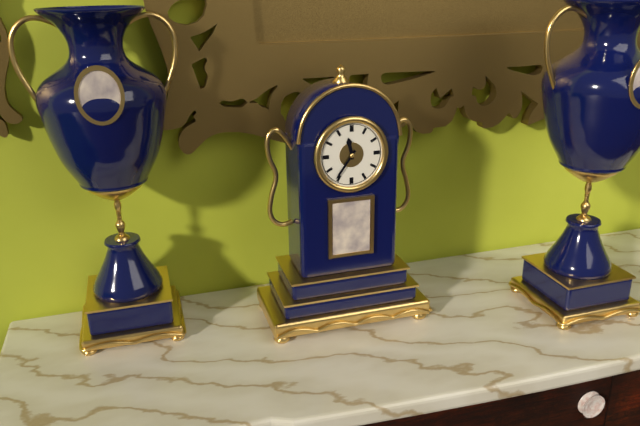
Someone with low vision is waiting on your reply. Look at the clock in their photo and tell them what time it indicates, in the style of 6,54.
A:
11,36
